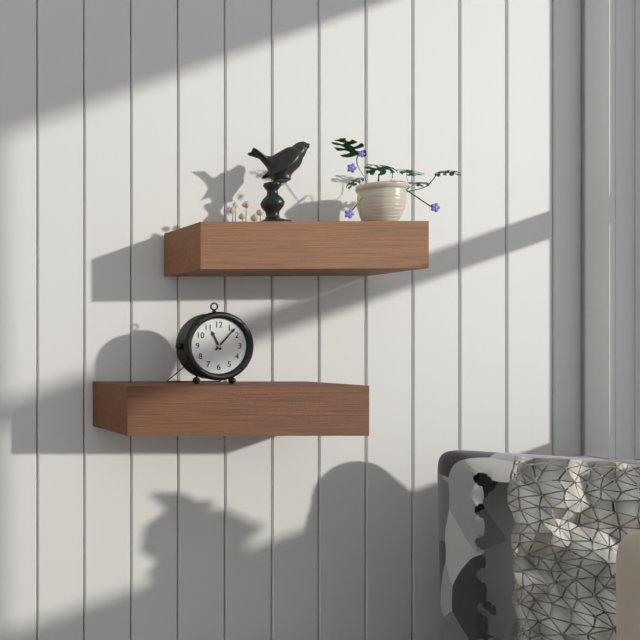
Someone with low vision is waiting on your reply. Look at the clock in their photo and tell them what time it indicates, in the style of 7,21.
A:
11,07
